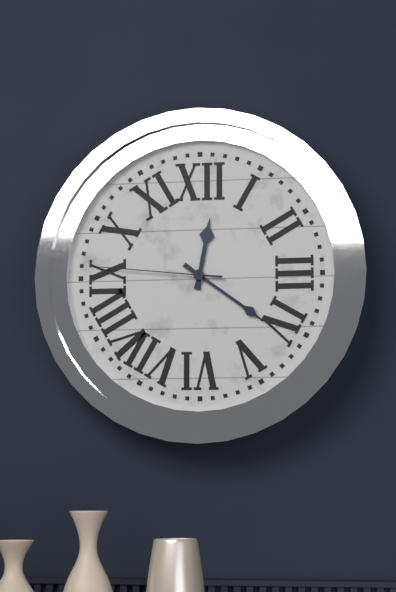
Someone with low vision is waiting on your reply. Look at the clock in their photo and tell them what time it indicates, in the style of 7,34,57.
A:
12,21,46
